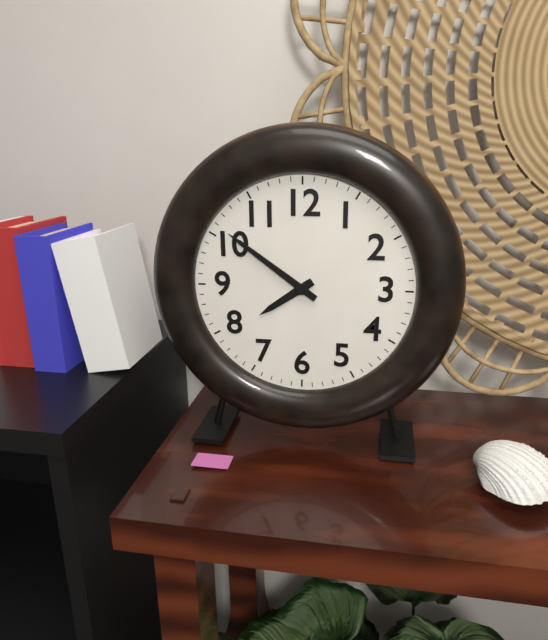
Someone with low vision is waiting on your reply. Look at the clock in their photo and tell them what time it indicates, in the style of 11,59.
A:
7,51
